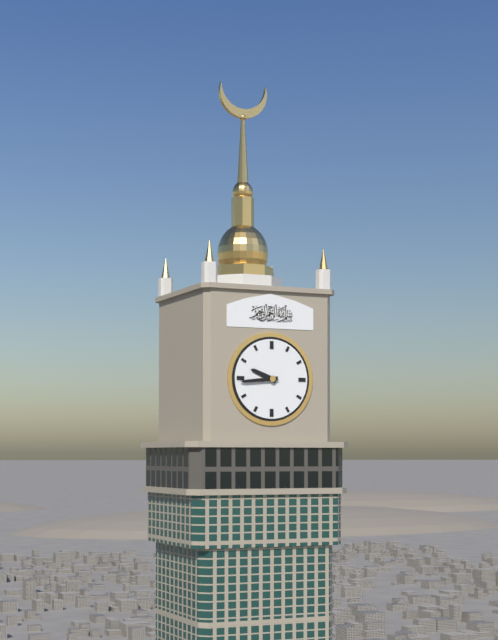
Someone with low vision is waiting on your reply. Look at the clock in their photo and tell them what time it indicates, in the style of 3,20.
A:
9,44
